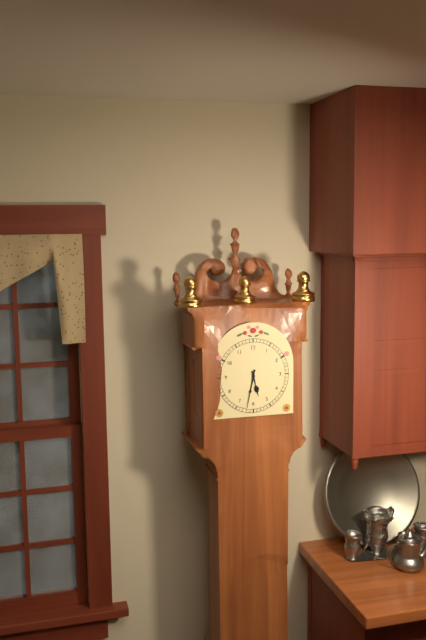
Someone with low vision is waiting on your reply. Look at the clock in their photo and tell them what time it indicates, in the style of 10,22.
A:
5,32
